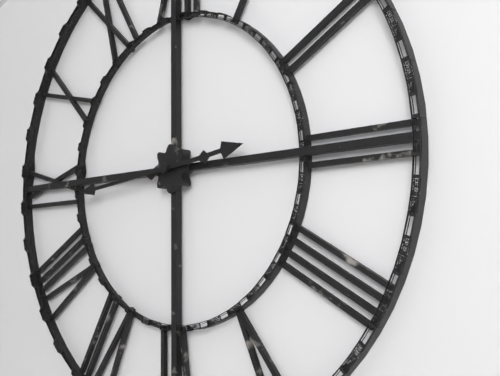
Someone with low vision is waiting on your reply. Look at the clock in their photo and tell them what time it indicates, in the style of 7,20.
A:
2,44
